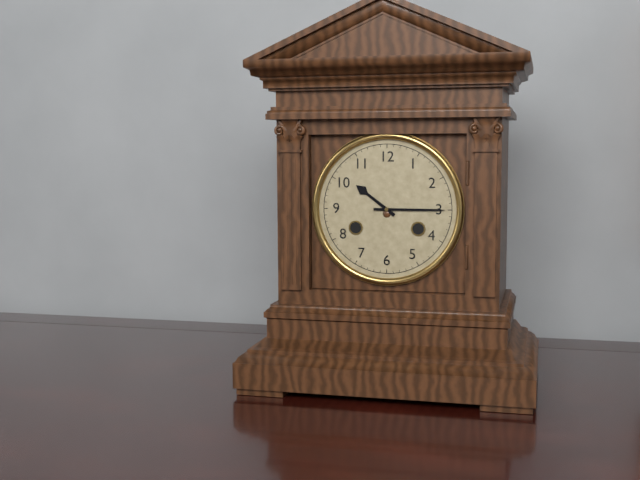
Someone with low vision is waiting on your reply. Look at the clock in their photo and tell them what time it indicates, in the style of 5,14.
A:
10,15
